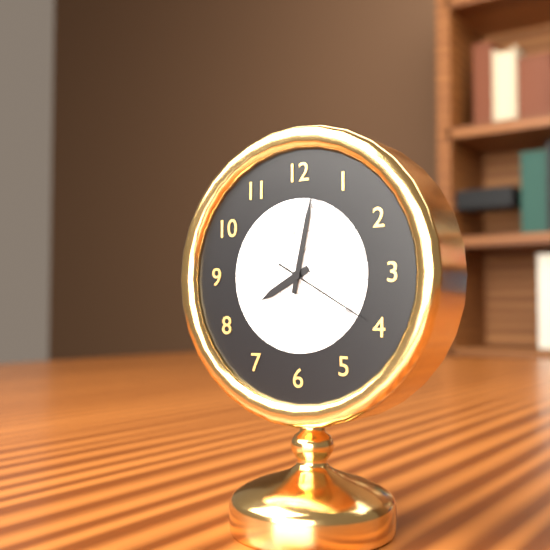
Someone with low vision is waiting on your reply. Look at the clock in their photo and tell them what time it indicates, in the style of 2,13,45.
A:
8,02,20
